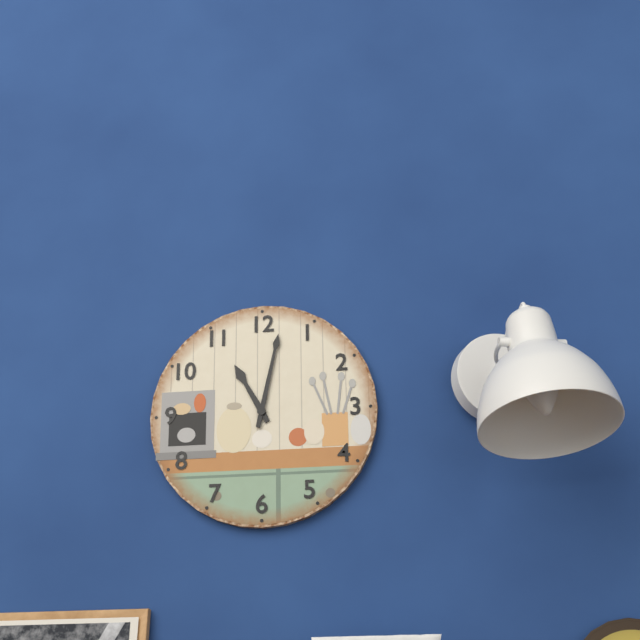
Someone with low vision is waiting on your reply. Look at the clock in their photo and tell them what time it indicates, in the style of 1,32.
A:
11,02
